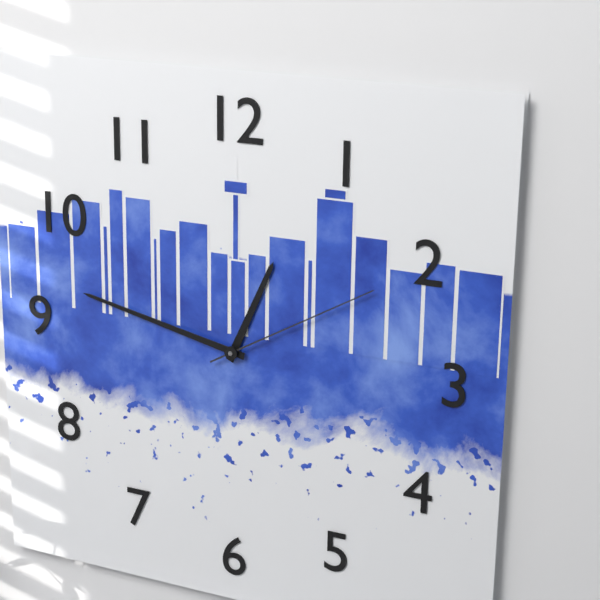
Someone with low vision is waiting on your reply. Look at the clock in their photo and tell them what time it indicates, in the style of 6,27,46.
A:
12,47,10
